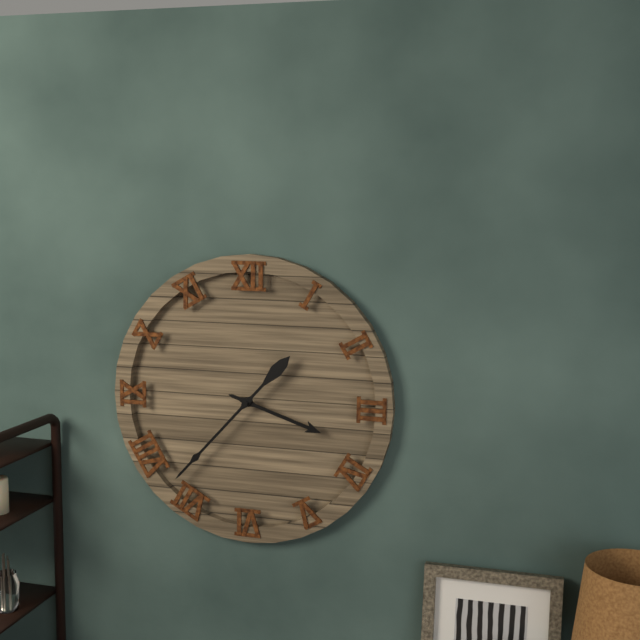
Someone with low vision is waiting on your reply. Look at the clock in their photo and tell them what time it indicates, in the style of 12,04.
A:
3,37
